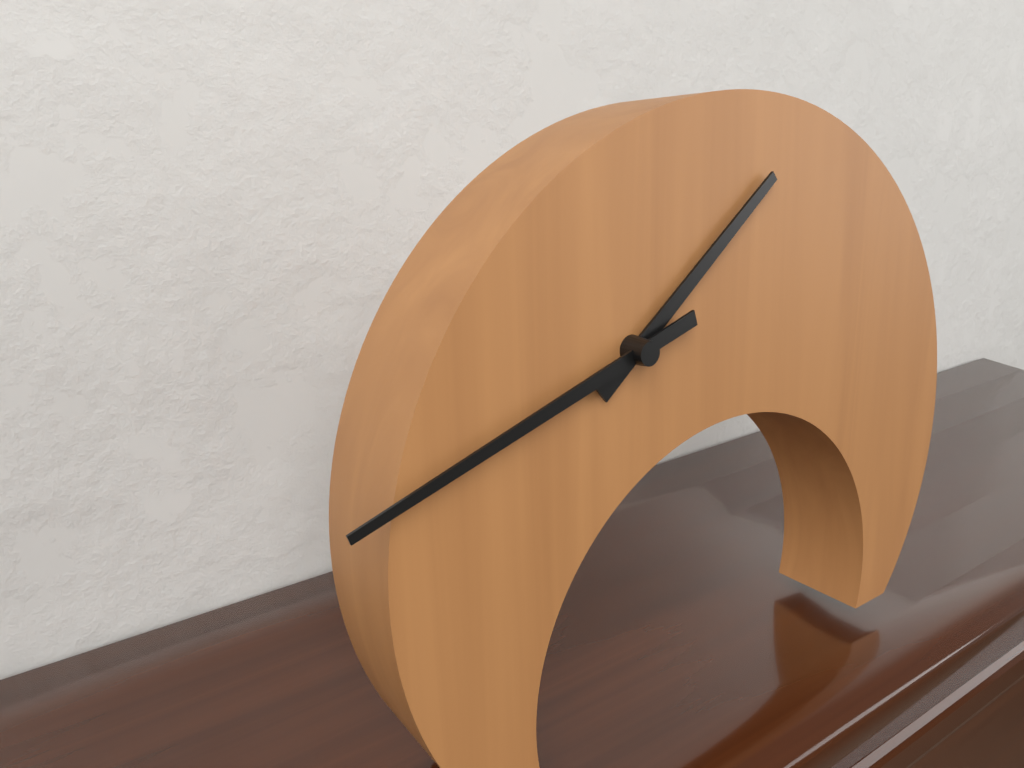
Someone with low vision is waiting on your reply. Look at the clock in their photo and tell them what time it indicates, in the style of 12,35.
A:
1,42
